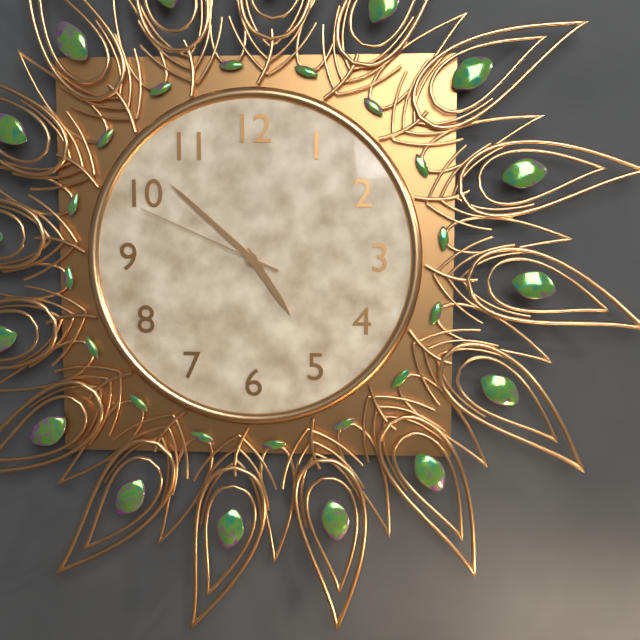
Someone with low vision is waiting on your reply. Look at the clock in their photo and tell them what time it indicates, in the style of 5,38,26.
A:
4,52,49
